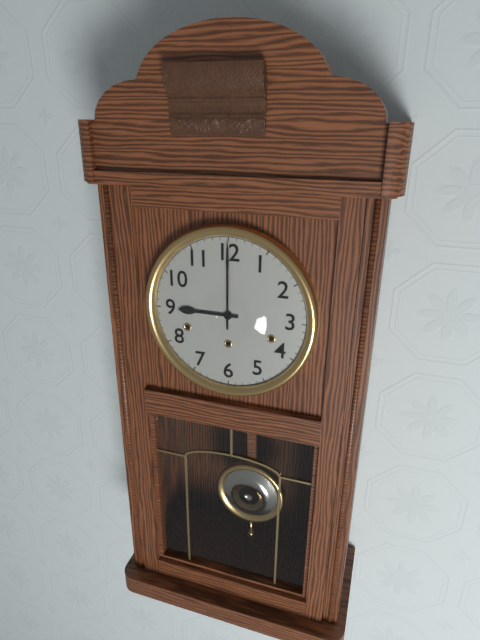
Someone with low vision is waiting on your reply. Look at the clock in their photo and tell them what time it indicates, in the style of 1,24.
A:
9,00
